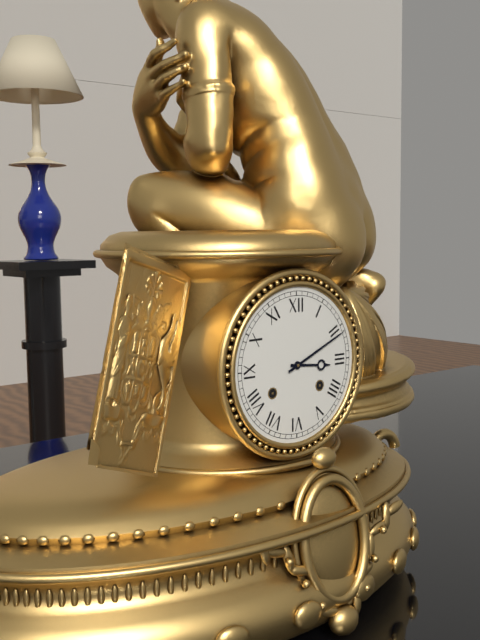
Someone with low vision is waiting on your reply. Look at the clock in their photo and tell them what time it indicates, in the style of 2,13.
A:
3,11
